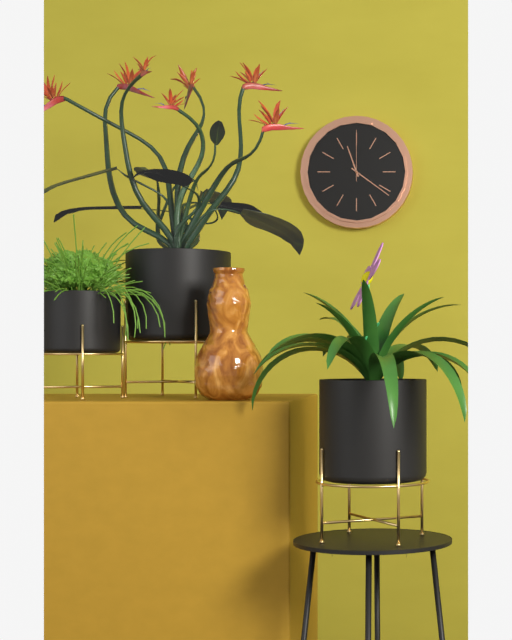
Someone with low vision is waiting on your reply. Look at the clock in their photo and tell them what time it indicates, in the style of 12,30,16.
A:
11,21,00
